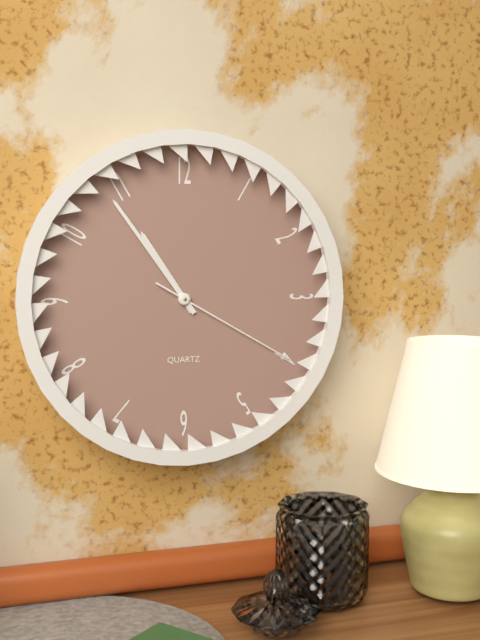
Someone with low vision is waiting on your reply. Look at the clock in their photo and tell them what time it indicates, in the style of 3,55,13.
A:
10,54,20
